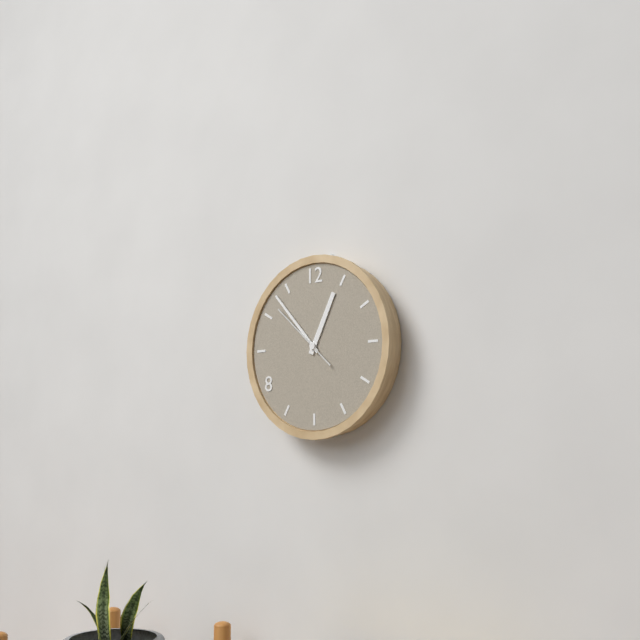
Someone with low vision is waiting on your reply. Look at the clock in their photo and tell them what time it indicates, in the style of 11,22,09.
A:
12,53,52
